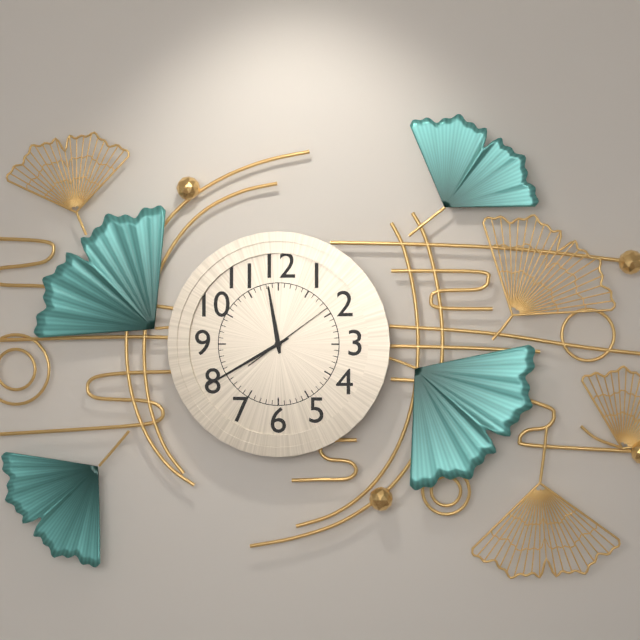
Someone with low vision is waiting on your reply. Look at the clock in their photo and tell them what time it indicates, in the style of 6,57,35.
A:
11,40,09
